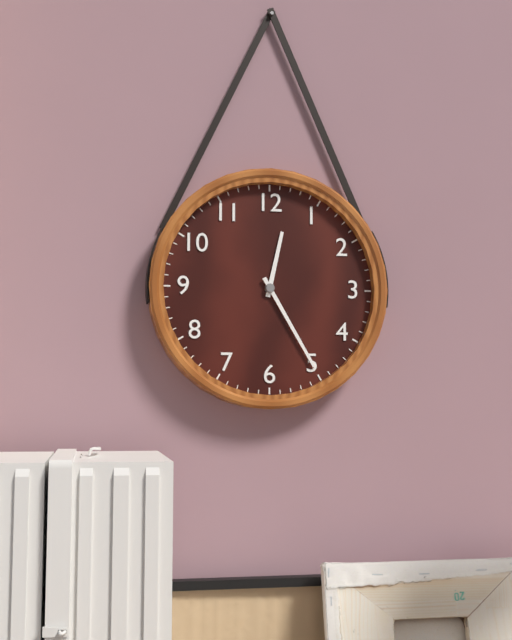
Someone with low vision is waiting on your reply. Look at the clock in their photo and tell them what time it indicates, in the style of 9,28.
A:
12,25
